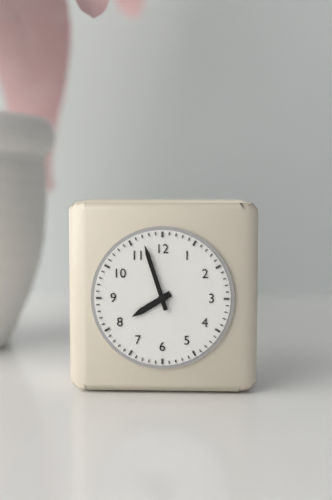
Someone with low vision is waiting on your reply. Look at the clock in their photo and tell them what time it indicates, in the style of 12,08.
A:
7,57
